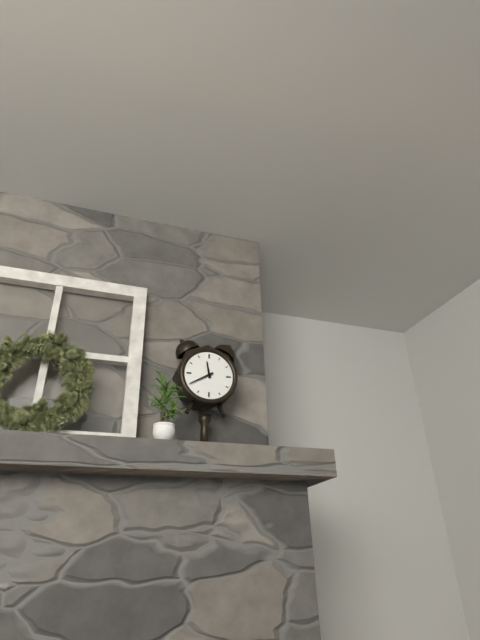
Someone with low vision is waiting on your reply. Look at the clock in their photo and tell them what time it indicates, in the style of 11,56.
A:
11,40
